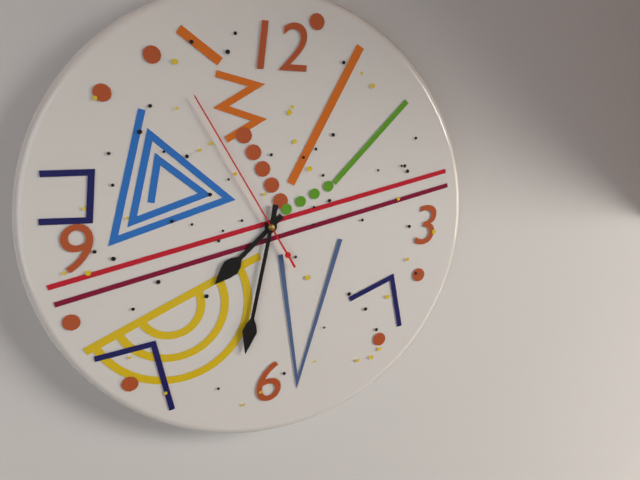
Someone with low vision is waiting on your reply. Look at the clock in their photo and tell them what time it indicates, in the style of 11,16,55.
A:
7,32,55
